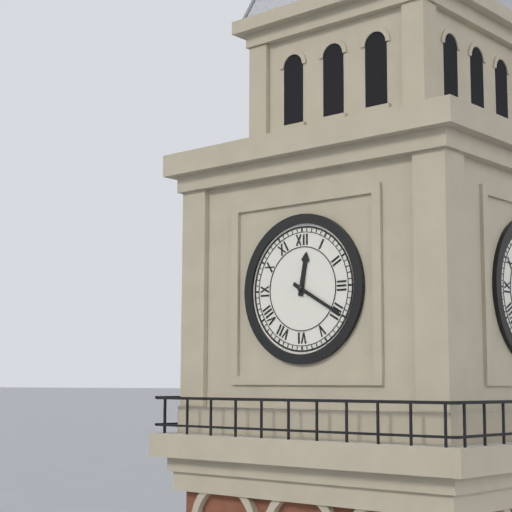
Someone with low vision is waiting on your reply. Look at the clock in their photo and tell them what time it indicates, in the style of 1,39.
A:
12,20
